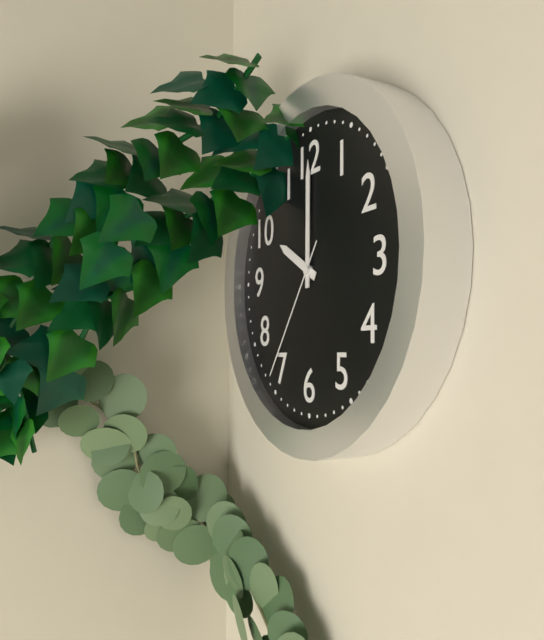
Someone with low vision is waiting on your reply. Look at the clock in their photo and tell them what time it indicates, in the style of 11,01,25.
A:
10,00,36
